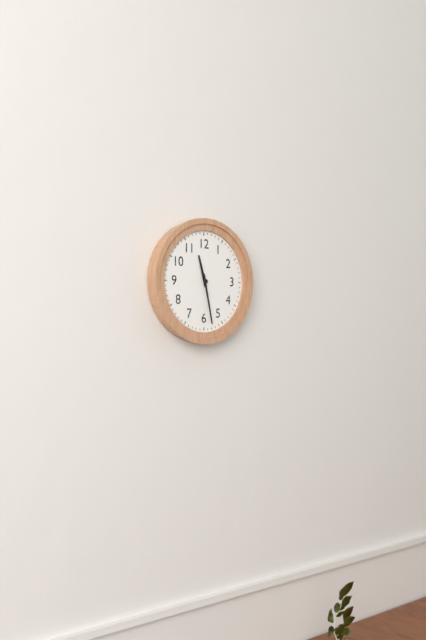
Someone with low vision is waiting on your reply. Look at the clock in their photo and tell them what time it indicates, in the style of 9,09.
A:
11,28
